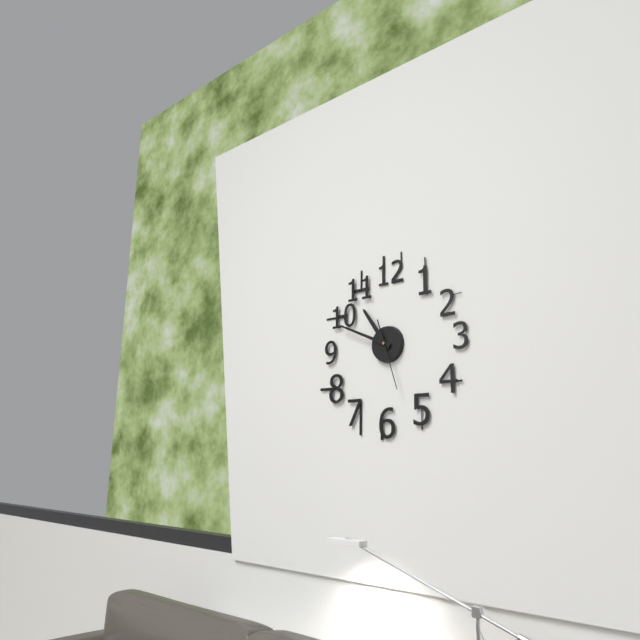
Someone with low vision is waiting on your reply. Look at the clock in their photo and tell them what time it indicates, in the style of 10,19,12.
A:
10,49,27
